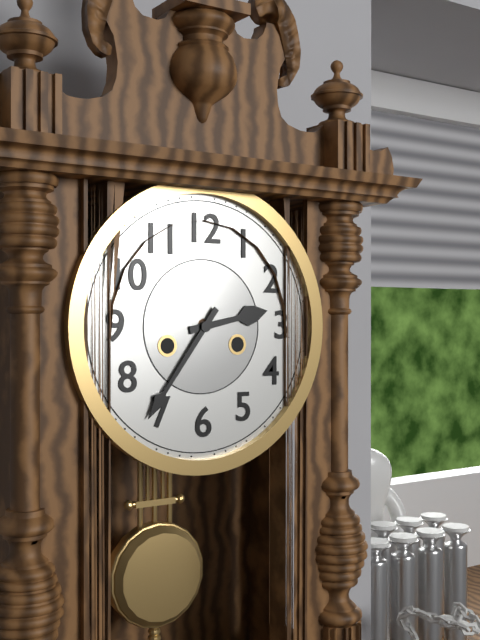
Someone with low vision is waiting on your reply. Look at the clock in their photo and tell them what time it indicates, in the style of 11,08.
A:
2,36
